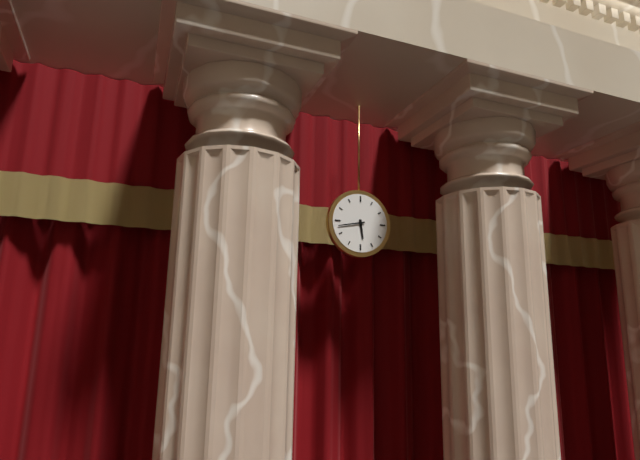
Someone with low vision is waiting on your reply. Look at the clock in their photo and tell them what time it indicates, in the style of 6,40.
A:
5,43
